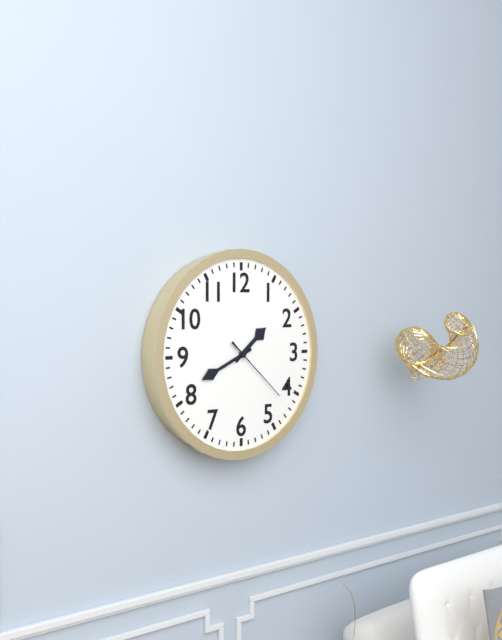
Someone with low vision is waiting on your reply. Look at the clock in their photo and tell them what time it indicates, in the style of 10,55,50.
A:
1,41,22
